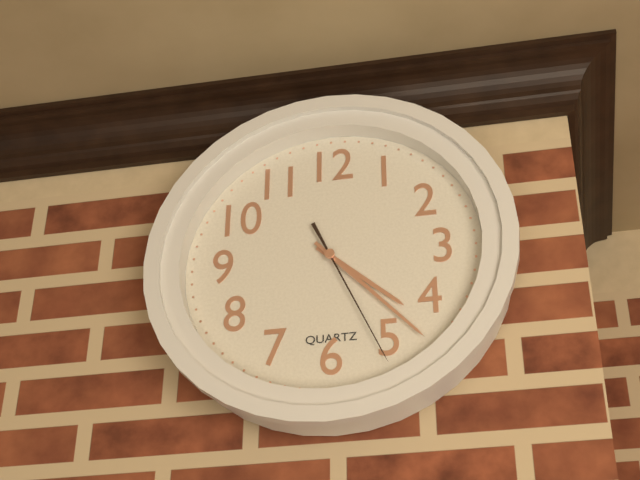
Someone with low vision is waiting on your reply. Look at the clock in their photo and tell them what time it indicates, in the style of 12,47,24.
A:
4,23,26
